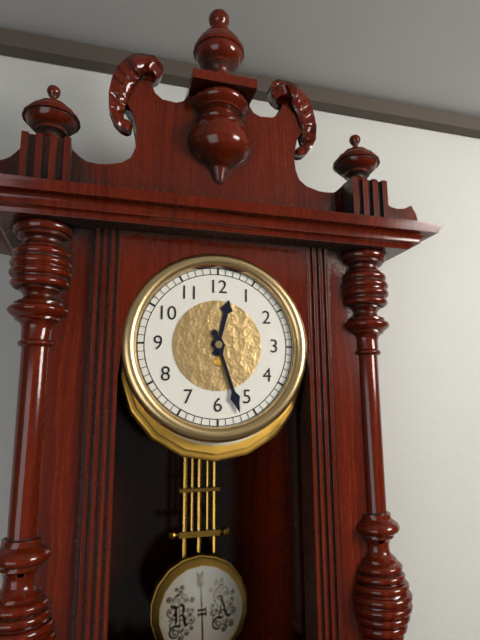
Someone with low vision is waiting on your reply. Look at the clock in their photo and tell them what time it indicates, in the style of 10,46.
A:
12,27
